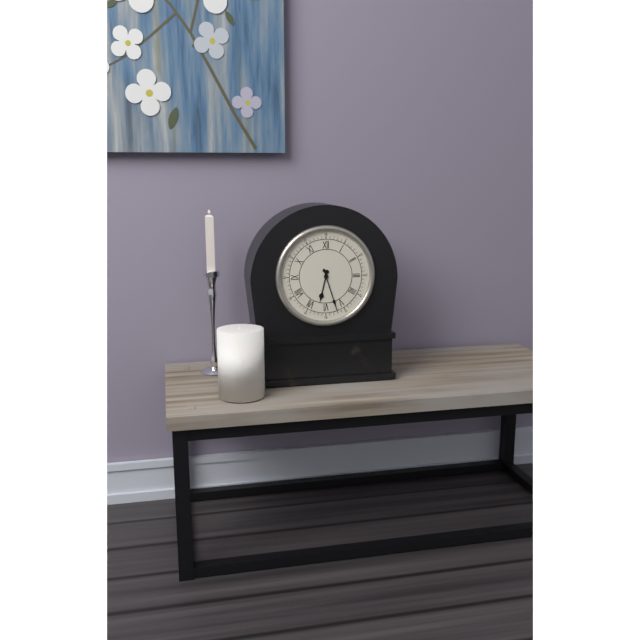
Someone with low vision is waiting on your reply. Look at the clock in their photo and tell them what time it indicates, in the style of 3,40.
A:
6,27
